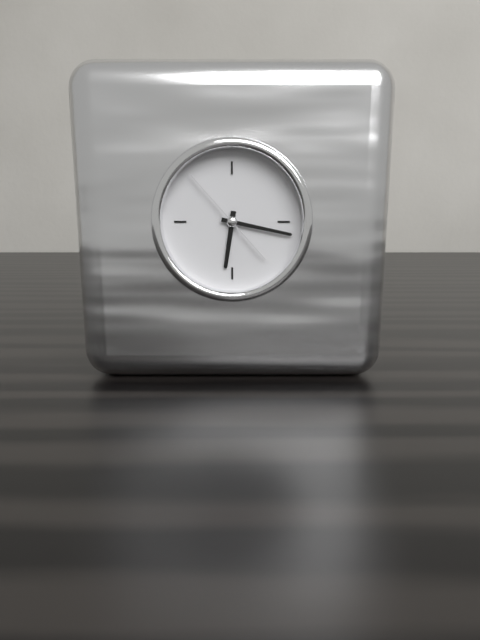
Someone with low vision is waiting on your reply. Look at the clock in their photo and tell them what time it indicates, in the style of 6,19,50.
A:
6,17,53
